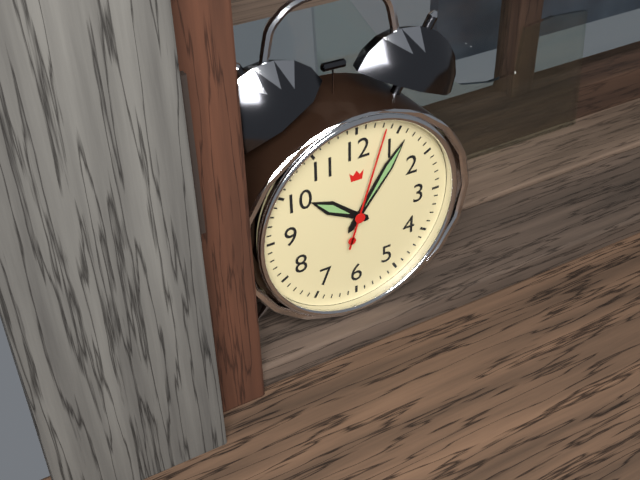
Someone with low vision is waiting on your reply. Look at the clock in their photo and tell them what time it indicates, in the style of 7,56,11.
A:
10,06,03
